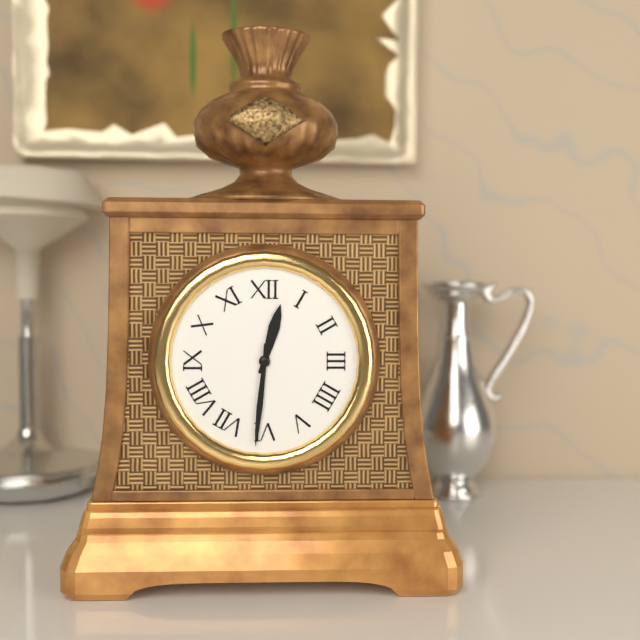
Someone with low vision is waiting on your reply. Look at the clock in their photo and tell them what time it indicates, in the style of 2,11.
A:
12,31
